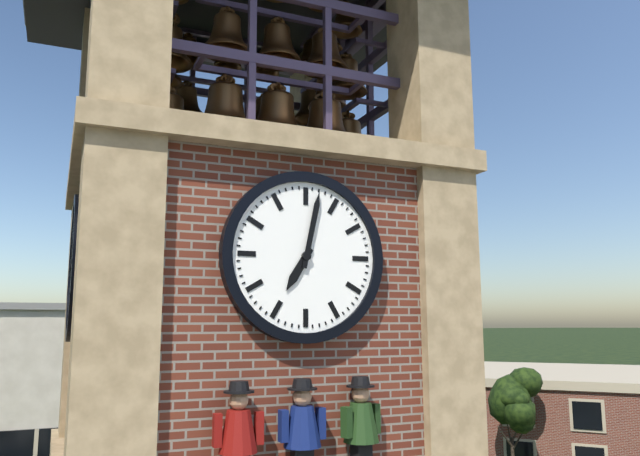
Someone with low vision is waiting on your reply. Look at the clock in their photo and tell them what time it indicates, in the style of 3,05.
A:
7,02
